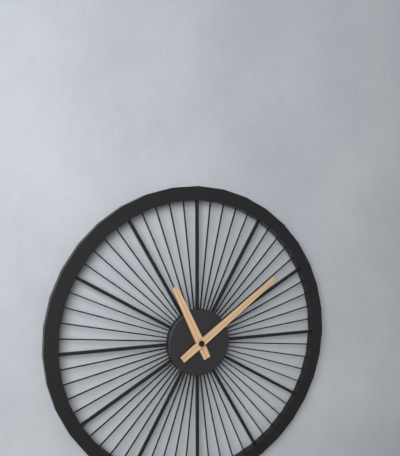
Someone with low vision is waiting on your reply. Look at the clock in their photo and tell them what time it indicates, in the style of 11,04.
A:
11,09
